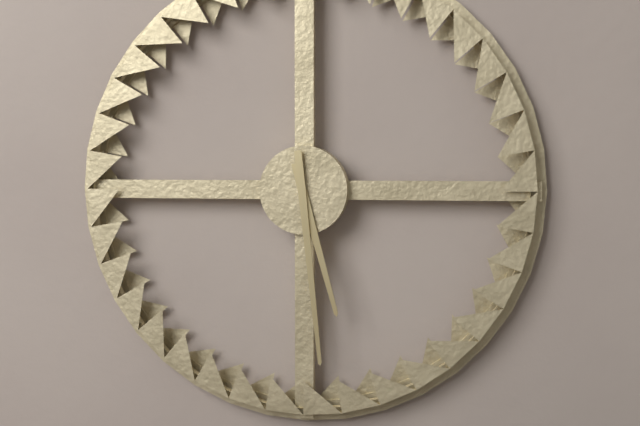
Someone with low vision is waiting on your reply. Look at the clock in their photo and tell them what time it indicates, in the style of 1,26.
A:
5,29
